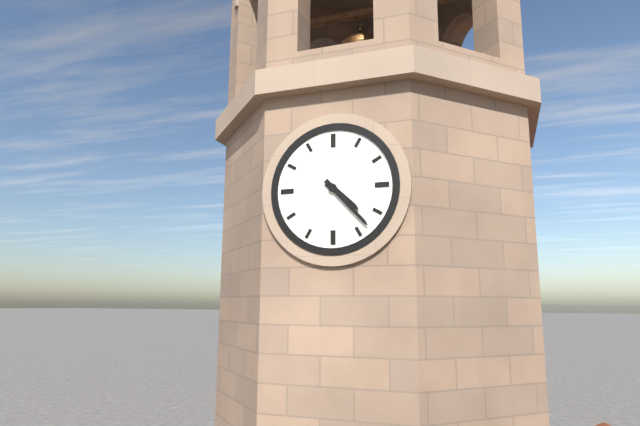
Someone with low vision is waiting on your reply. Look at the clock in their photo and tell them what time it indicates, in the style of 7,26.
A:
4,23
